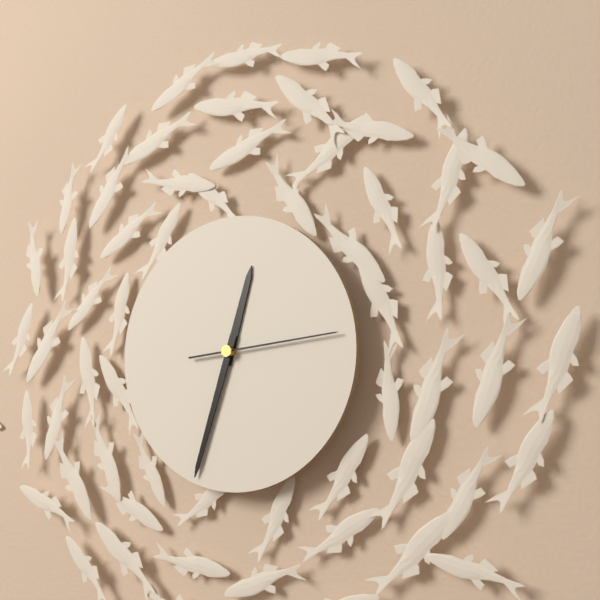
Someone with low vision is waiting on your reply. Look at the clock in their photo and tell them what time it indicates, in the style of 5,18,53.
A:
12,33,14
